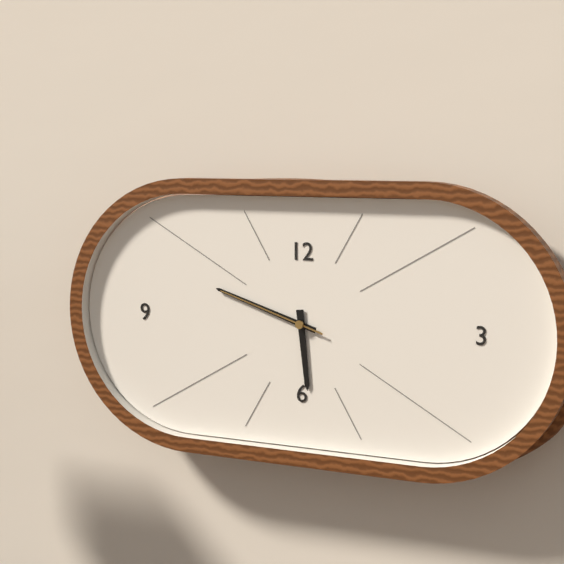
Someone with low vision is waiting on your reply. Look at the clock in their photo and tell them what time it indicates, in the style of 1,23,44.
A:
5,48,48
